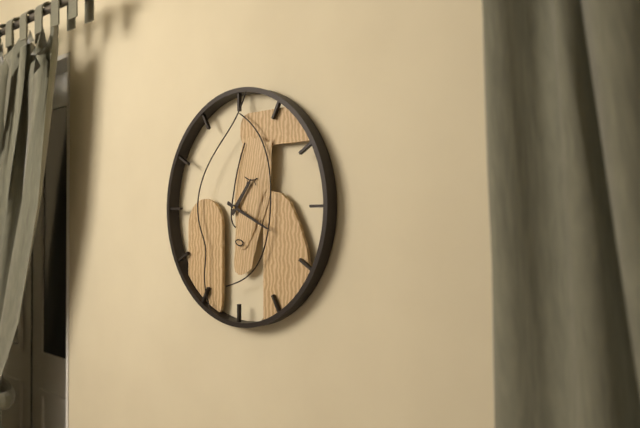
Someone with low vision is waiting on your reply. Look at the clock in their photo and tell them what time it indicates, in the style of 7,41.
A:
1,19
